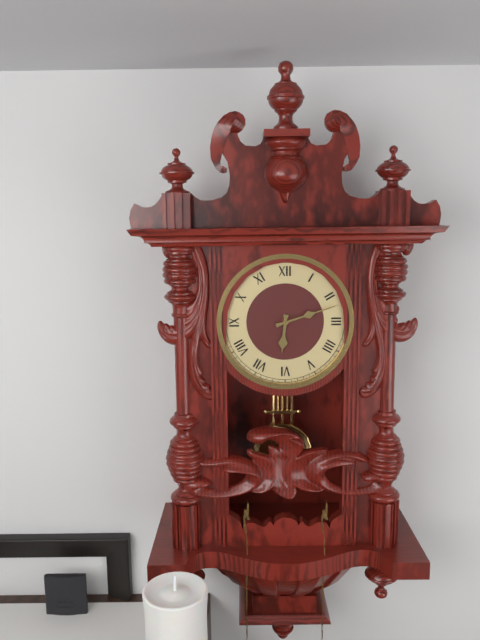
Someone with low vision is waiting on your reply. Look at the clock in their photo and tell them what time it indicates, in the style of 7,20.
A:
6,12
